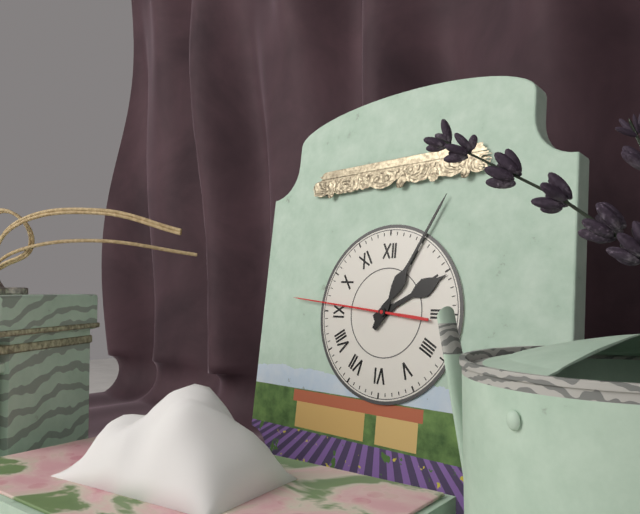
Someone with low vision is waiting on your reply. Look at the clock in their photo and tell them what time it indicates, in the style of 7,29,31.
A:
2,05,46
